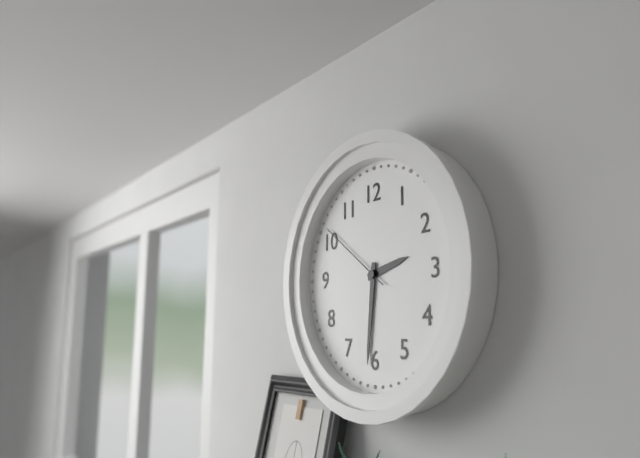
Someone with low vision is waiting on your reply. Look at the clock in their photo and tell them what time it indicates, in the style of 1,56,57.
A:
2,31,51
